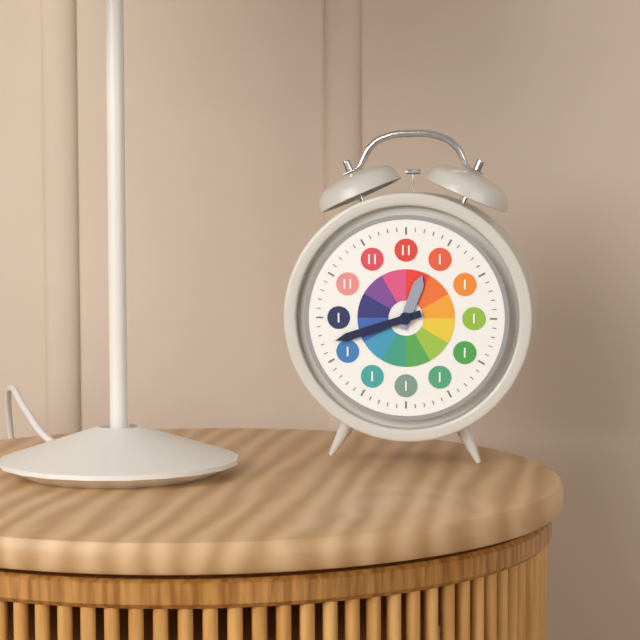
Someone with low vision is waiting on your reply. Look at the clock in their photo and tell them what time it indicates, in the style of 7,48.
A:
12,42
